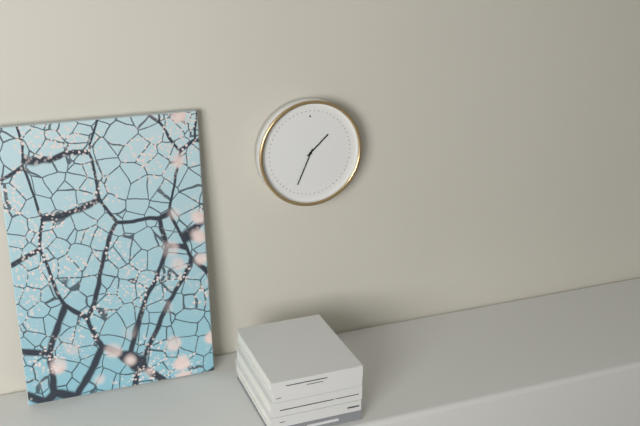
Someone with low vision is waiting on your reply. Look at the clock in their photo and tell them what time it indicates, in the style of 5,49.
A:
1,34
